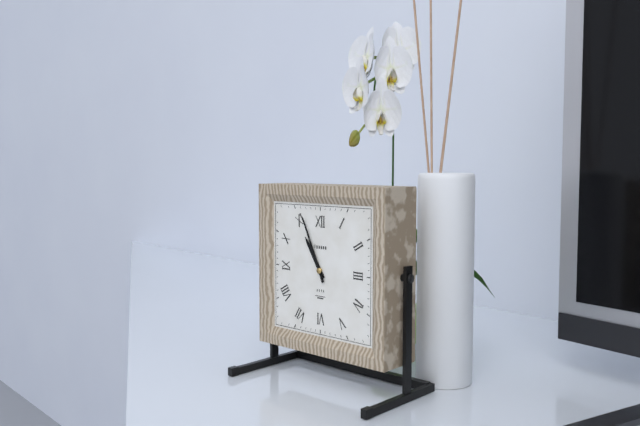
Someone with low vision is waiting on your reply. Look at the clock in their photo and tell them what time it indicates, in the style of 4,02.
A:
10,56
